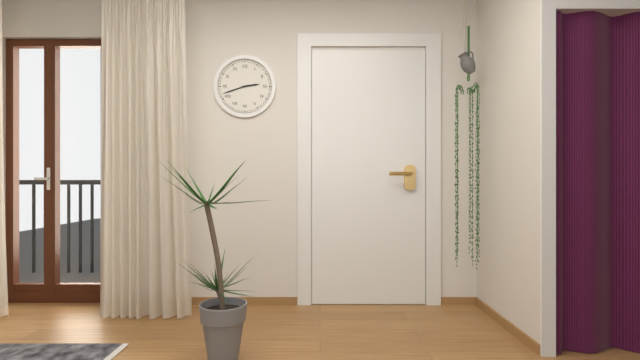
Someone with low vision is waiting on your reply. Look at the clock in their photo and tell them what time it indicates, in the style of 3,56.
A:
2,42
